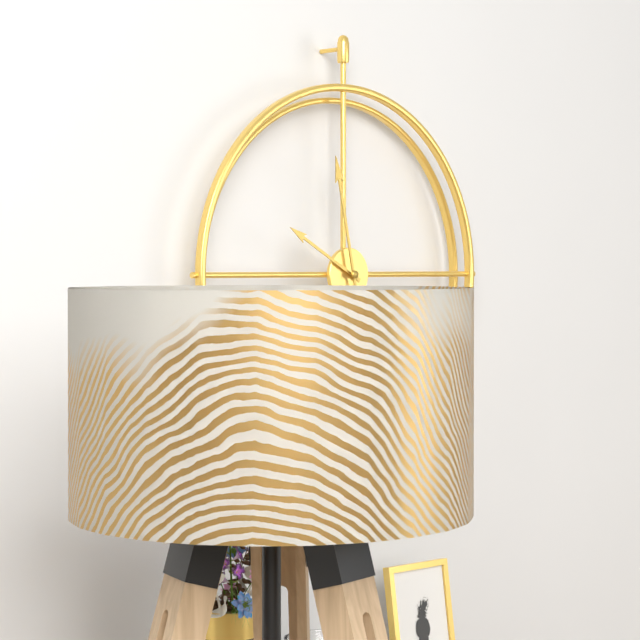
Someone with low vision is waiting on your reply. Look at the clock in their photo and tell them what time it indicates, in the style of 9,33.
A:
9,58
